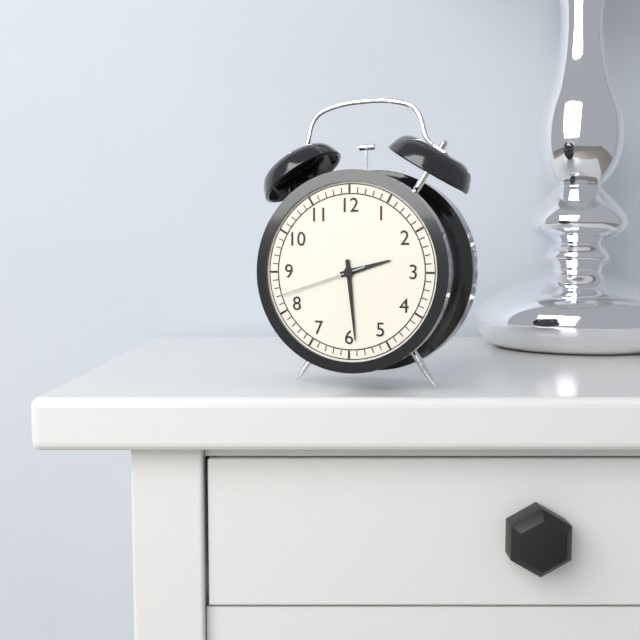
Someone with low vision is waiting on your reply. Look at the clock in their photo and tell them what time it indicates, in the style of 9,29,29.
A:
2,29,42
